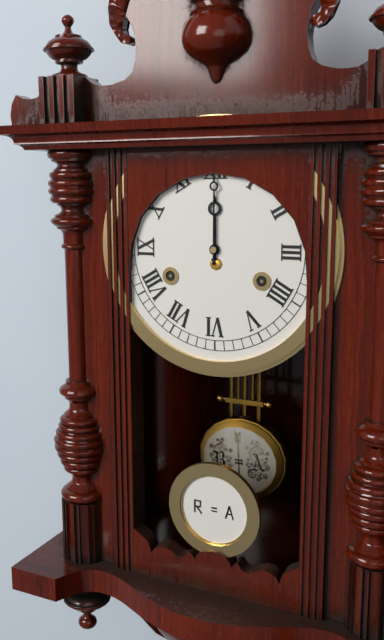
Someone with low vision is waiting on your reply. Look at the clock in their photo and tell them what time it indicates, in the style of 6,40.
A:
12,00
